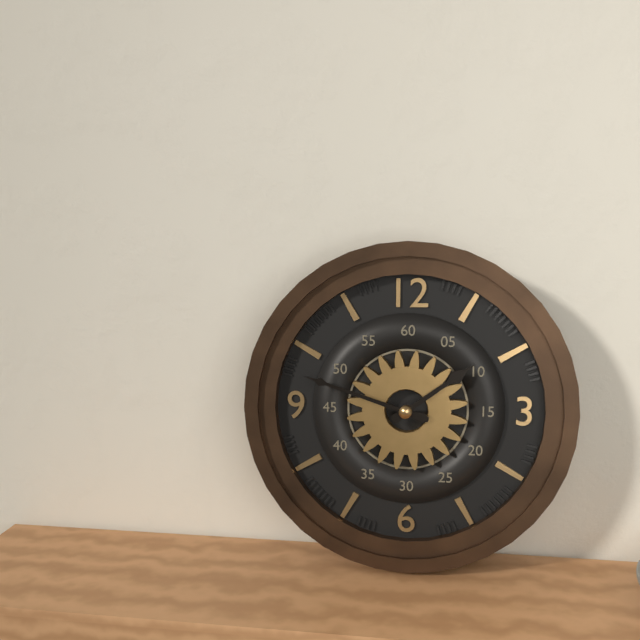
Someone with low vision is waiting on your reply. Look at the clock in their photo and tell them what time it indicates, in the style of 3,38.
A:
1,48
